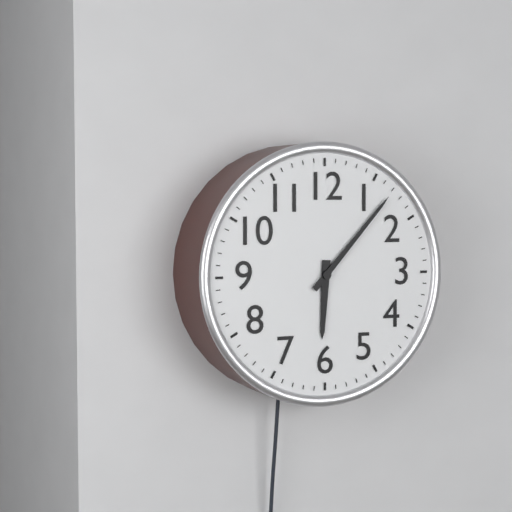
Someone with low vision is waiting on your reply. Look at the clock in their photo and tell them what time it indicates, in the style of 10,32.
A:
6,07
